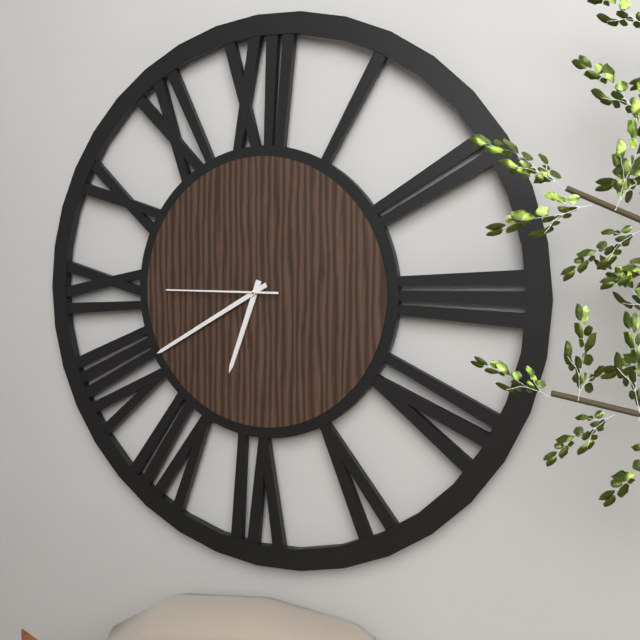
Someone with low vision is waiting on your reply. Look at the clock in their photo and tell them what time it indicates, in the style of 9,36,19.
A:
6,40,45
